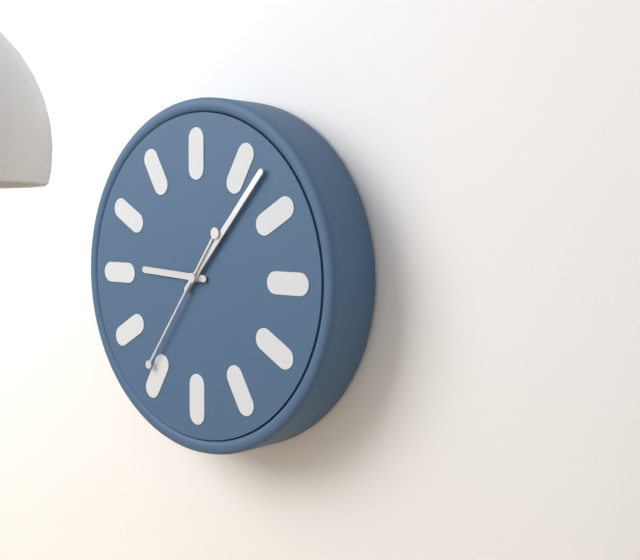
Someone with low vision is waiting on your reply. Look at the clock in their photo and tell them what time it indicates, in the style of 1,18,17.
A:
9,07,36
